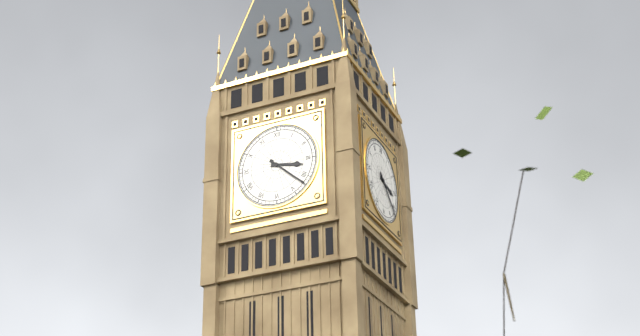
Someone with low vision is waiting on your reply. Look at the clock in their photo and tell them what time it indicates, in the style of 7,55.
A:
3,22
